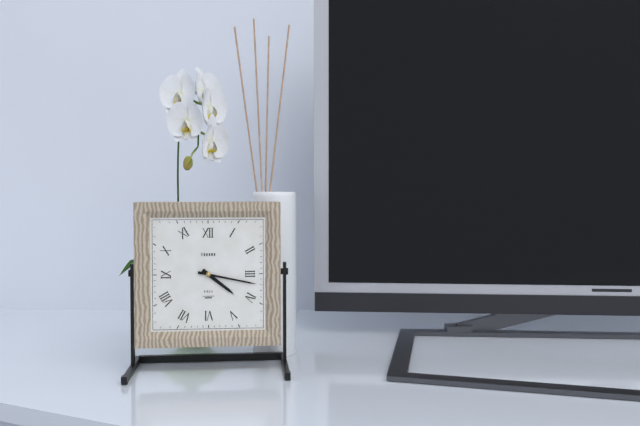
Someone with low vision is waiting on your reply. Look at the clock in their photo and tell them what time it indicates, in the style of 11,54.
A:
4,17
